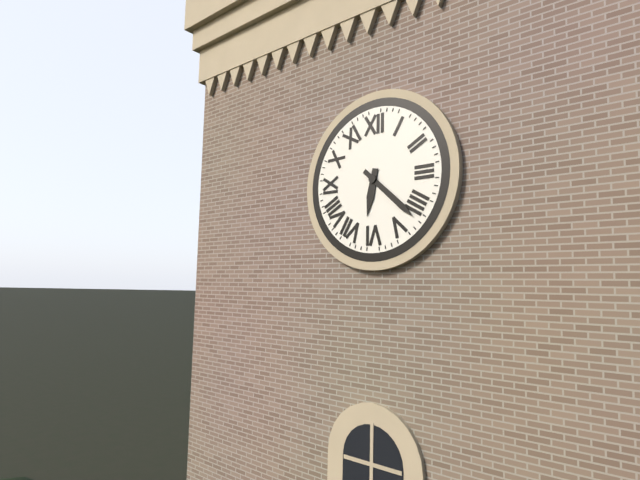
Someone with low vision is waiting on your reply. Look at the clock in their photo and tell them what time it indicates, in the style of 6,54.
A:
6,22
